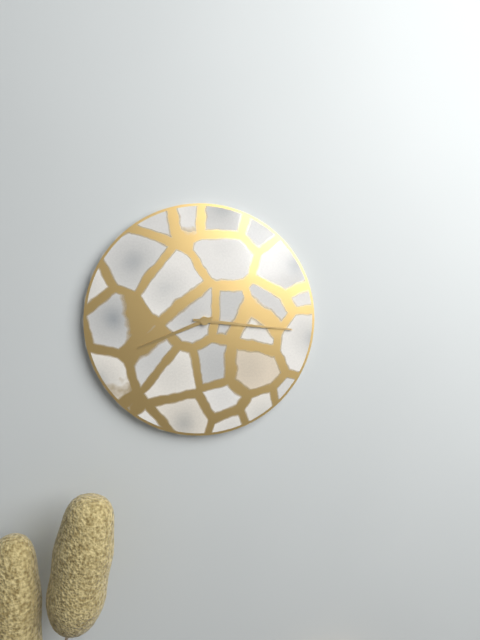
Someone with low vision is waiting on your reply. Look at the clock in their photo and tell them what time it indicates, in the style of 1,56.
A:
8,16
